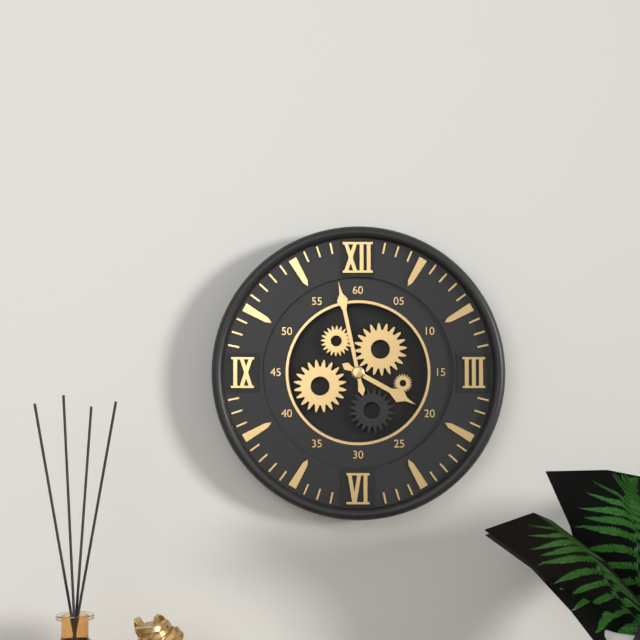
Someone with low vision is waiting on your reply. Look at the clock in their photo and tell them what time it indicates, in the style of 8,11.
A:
3,58
